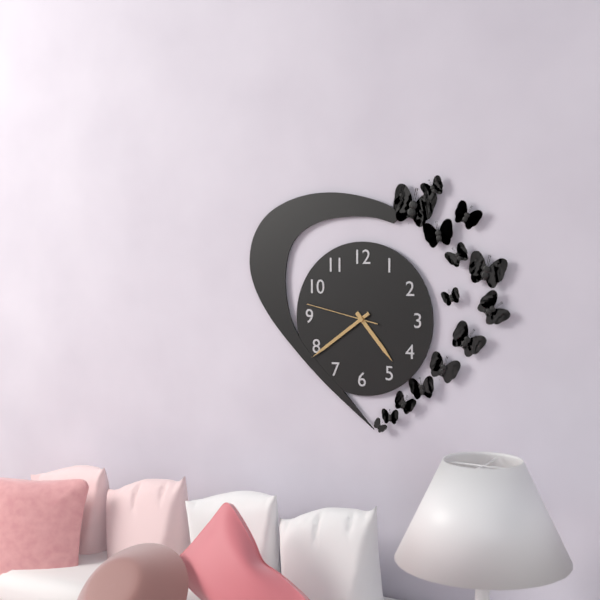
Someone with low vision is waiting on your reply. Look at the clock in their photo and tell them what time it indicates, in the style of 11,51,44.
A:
4,39,47
